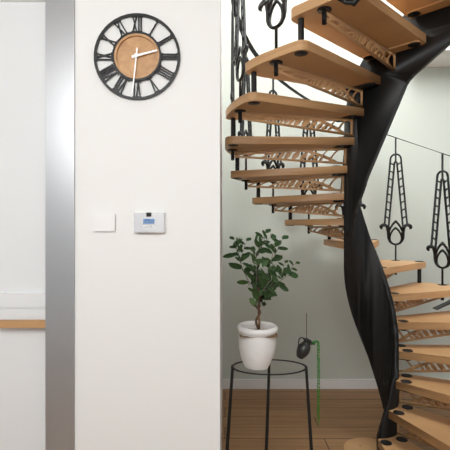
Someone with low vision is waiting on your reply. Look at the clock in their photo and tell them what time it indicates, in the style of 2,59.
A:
2,31
